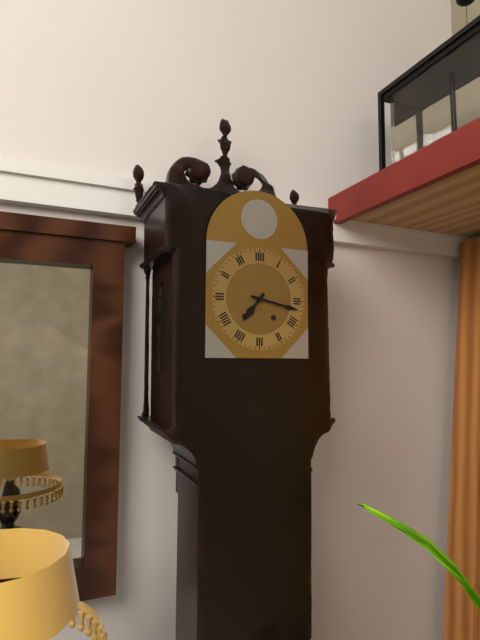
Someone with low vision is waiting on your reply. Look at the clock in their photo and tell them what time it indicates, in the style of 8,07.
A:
7,17
